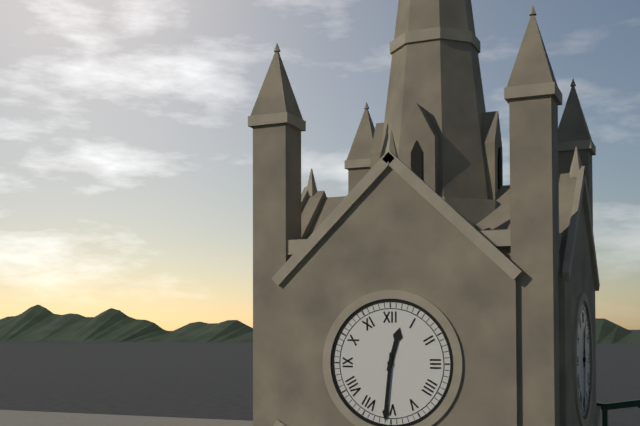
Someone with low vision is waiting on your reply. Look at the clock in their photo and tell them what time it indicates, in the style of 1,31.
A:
12,31
